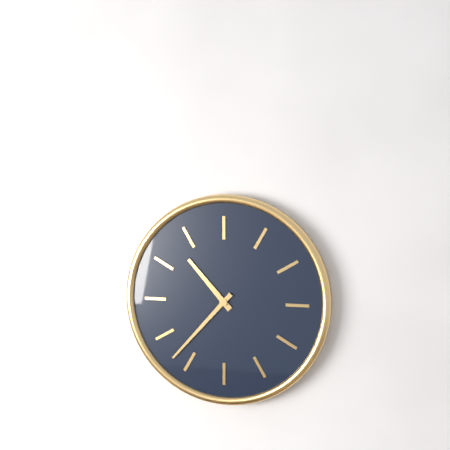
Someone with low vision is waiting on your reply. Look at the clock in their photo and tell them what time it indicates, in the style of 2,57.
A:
10,37
